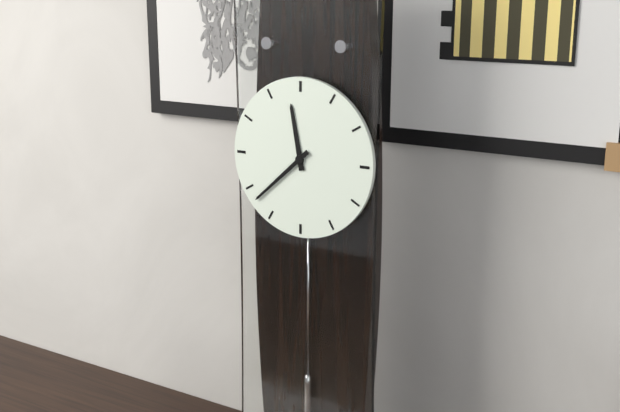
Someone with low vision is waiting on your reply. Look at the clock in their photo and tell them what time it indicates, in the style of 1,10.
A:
11,38
